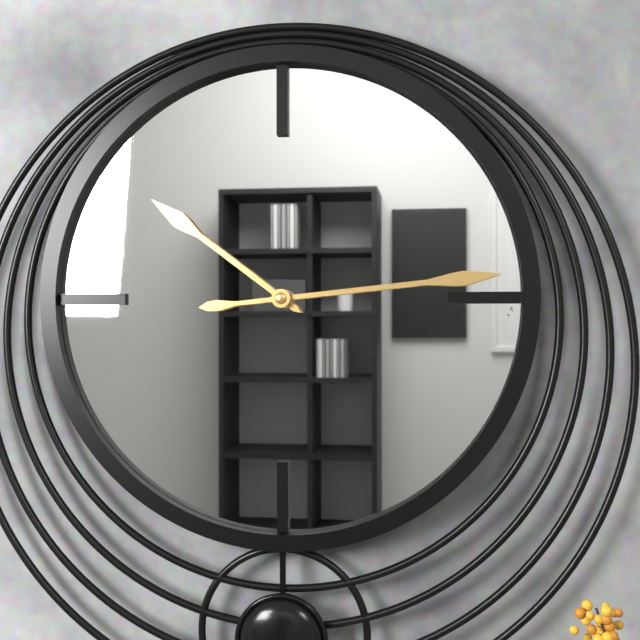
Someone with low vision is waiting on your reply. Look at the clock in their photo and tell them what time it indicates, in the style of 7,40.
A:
10,14
